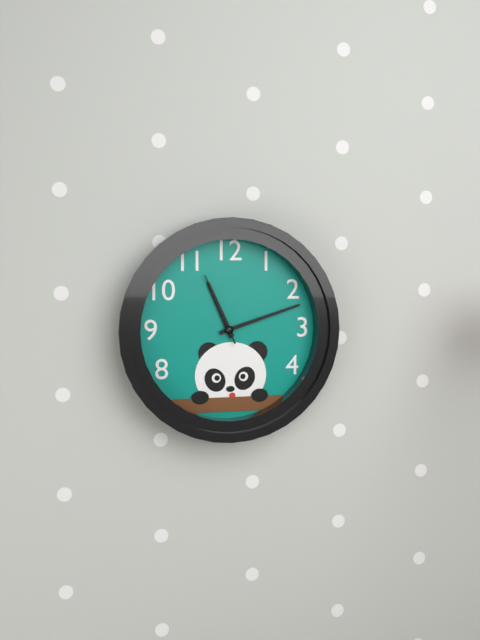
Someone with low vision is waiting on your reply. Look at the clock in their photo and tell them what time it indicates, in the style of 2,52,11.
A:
11,12,56
